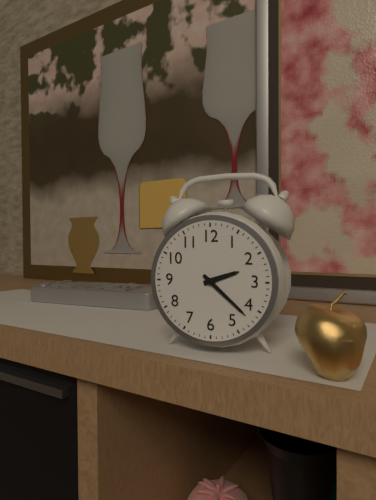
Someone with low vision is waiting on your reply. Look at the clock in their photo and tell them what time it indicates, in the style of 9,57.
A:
2,22
